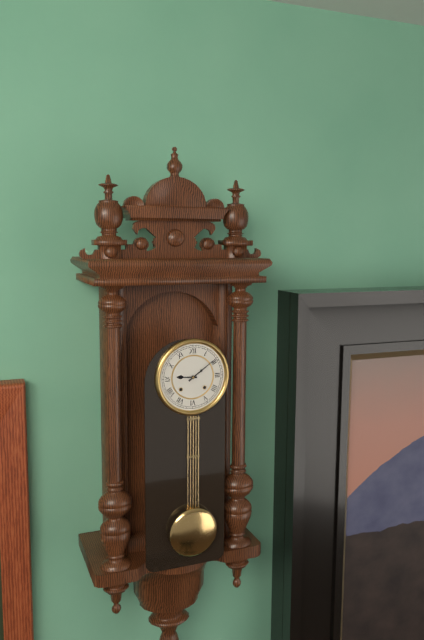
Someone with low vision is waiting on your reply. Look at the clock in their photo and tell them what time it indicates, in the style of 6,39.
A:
9,09
